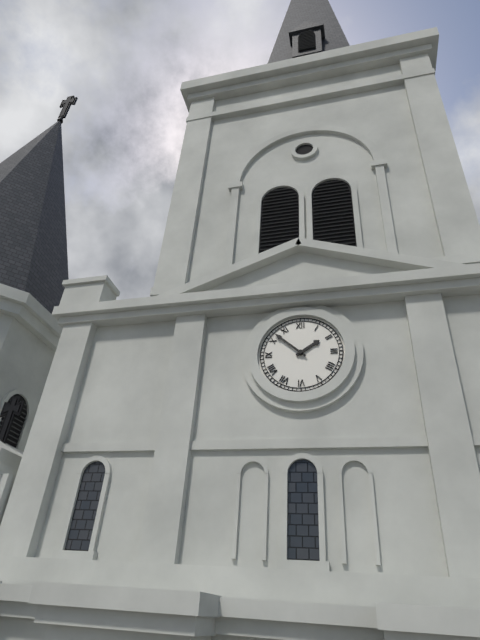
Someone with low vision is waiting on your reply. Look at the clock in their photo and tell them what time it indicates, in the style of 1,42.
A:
1,52
